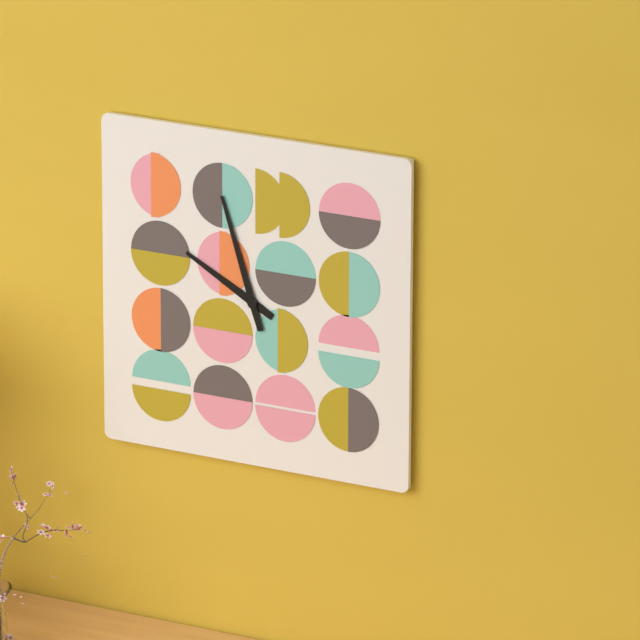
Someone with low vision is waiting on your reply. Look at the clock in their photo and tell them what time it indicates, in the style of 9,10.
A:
9,57
